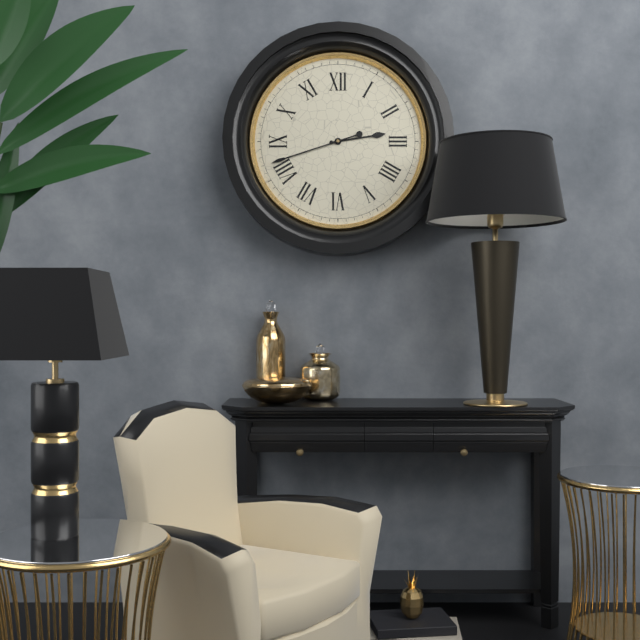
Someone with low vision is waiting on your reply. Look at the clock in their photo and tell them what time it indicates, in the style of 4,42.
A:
2,42
